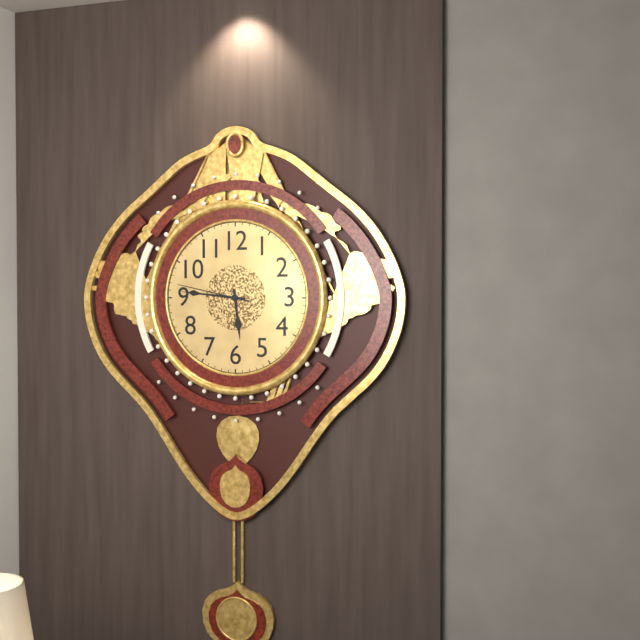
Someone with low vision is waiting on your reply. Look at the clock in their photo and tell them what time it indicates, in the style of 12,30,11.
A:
5,46,47
